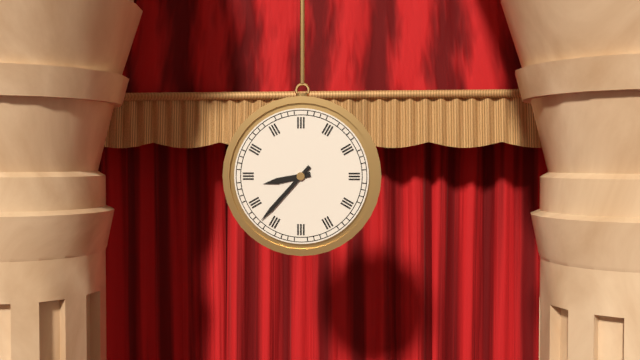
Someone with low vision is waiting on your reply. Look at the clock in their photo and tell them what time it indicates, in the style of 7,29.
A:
8,37
